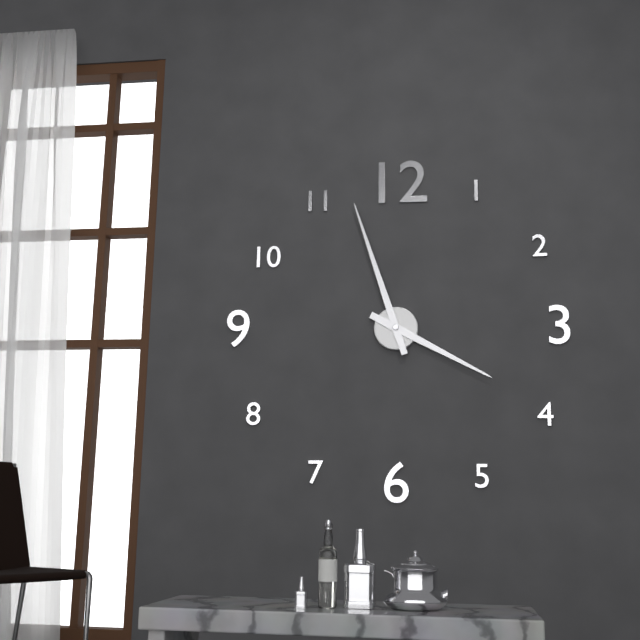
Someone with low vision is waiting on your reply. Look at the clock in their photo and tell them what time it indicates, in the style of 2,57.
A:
3,57
